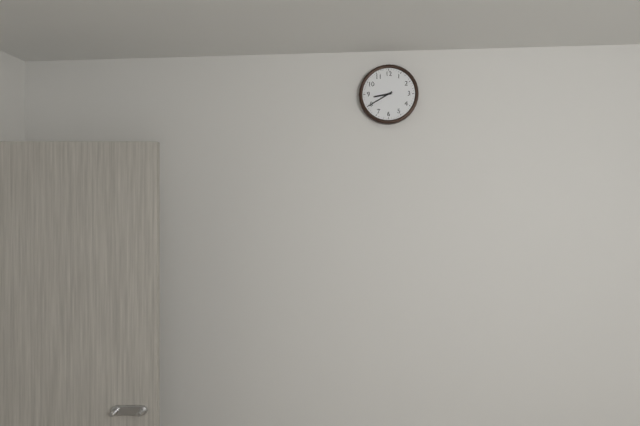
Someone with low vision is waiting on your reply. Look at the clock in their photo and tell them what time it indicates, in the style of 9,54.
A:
8,40
